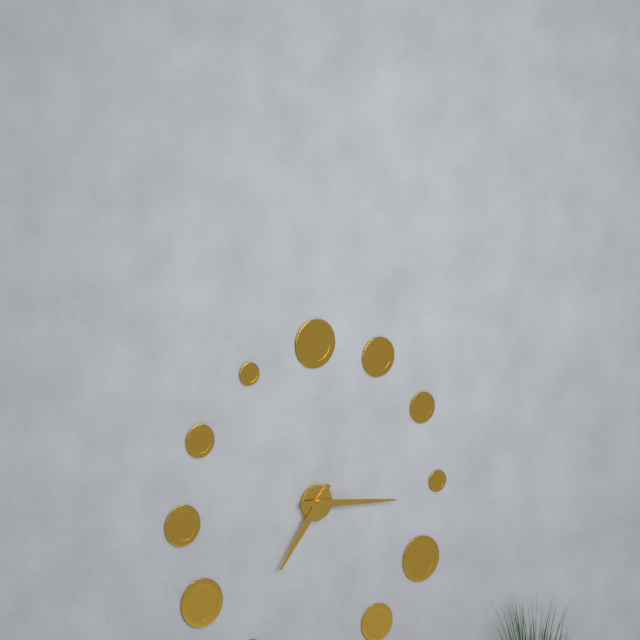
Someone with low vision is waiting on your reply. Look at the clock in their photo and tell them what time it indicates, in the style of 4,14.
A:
7,16
